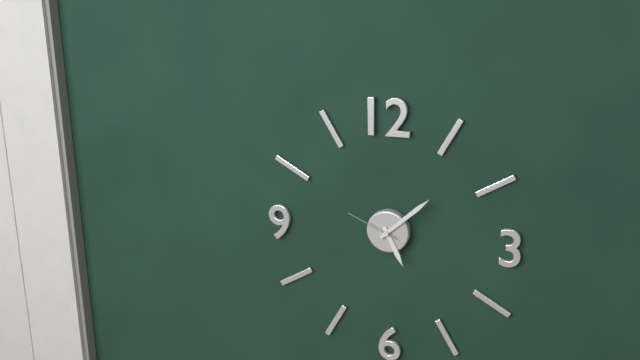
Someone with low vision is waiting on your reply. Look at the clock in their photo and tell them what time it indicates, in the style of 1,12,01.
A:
5,08,49
